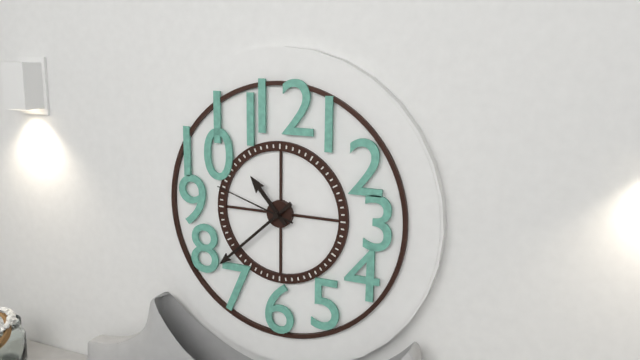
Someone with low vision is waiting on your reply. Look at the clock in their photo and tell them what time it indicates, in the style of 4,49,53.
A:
10,38,48
